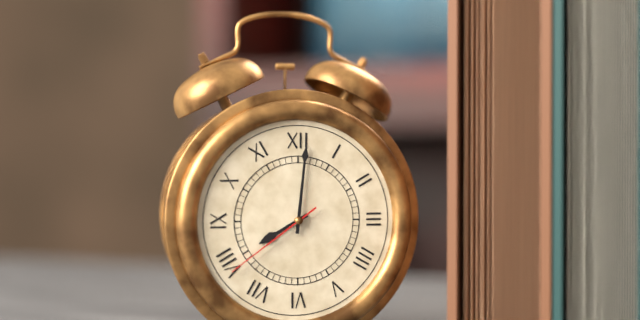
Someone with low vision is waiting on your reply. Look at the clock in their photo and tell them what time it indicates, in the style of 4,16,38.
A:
8,01,39
